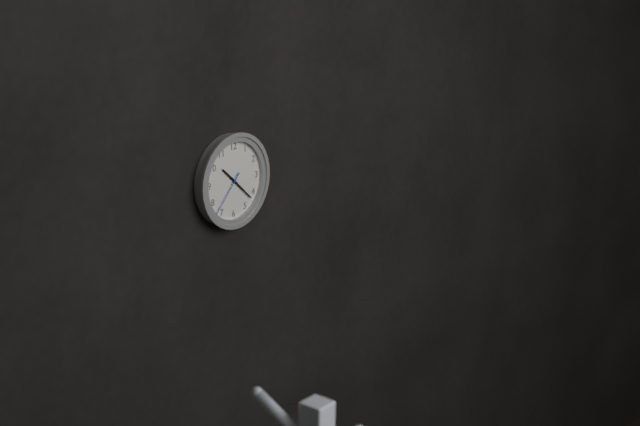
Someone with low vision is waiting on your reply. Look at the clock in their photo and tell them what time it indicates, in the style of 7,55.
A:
10,22
